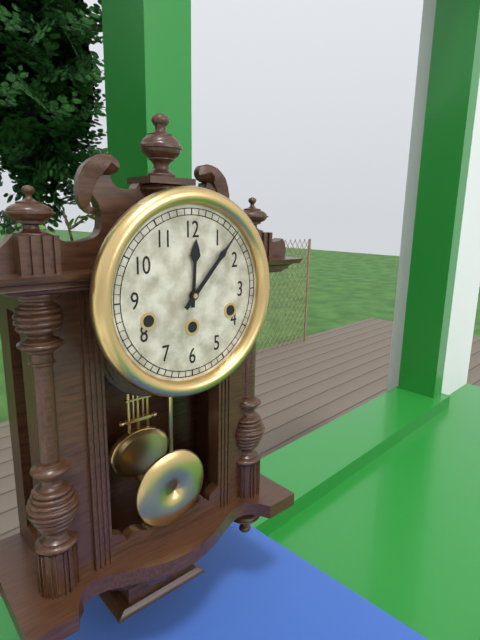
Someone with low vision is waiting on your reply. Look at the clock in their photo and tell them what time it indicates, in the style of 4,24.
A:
12,07
